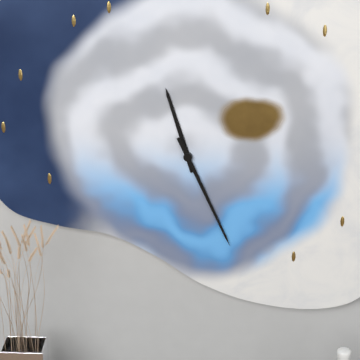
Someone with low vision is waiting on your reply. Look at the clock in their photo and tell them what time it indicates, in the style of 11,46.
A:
11,26
